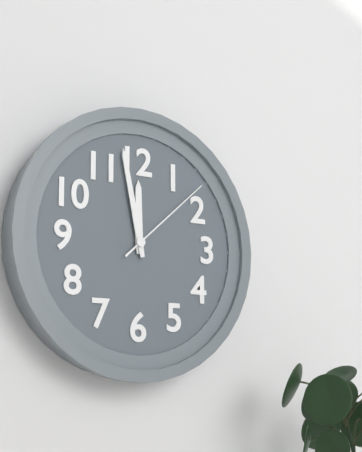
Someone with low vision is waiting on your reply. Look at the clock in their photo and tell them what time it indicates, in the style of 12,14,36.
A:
11,58,08
